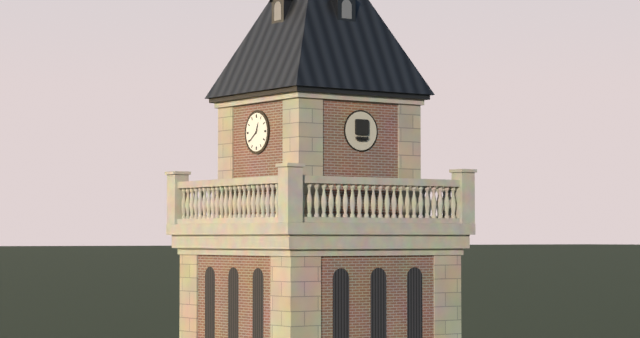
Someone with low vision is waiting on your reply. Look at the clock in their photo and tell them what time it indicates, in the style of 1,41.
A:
12,39
